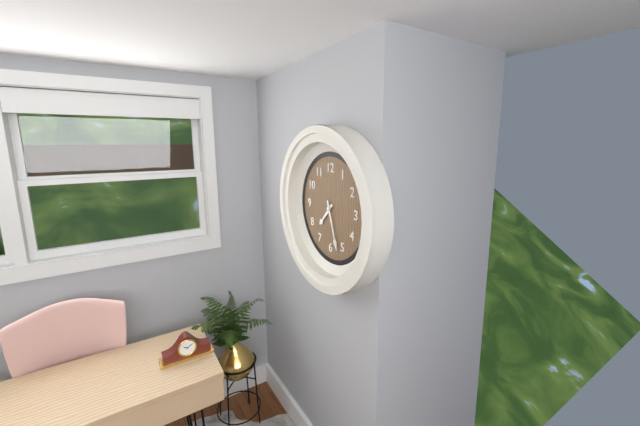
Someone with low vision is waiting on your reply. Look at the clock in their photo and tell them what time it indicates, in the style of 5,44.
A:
7,27
